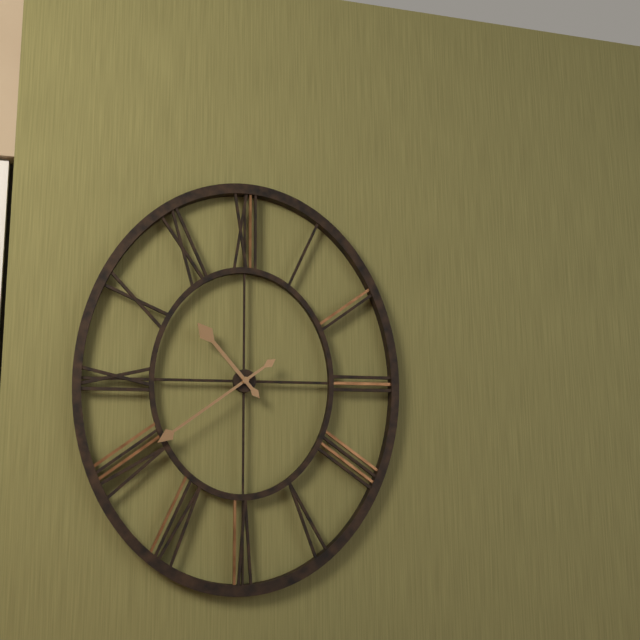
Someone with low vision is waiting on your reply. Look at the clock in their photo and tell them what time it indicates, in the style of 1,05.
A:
10,39
